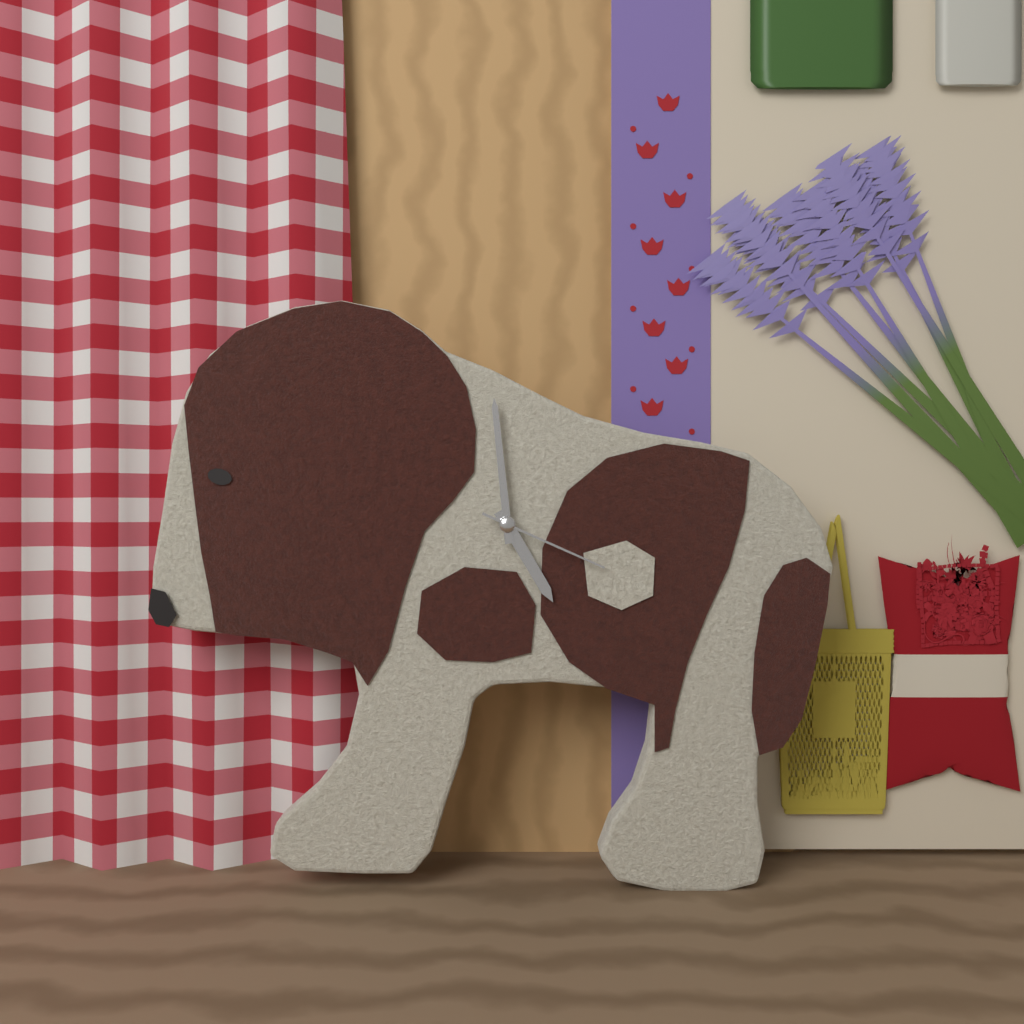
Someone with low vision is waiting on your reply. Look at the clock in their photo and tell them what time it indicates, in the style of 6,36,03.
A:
4,59,19
